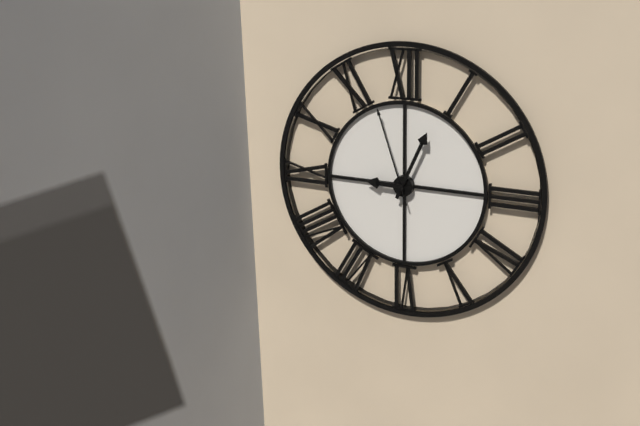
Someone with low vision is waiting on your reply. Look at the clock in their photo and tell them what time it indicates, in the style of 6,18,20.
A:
9,04,57
